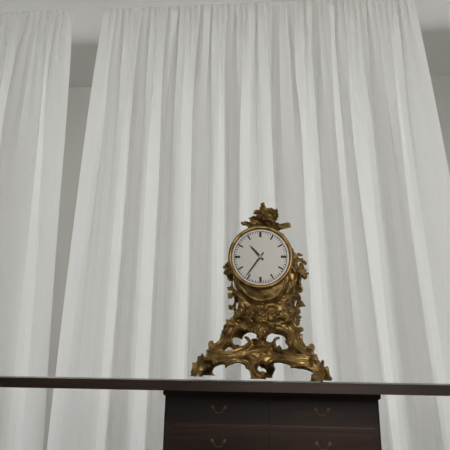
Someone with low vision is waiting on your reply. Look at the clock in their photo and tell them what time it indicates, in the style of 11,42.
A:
10,36
